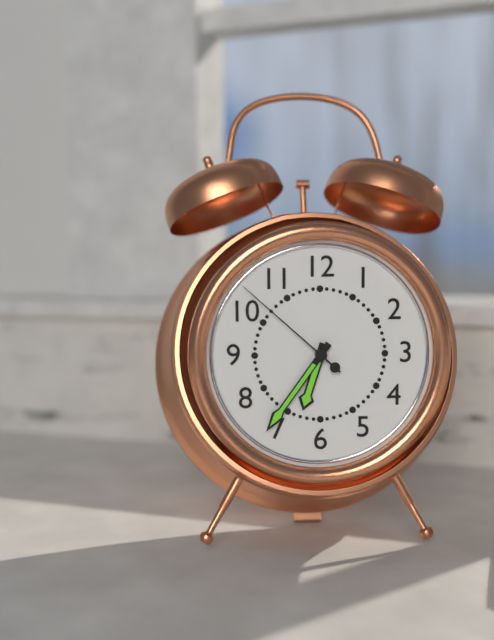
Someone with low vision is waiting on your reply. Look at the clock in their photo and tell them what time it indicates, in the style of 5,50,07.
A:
6,36,52
